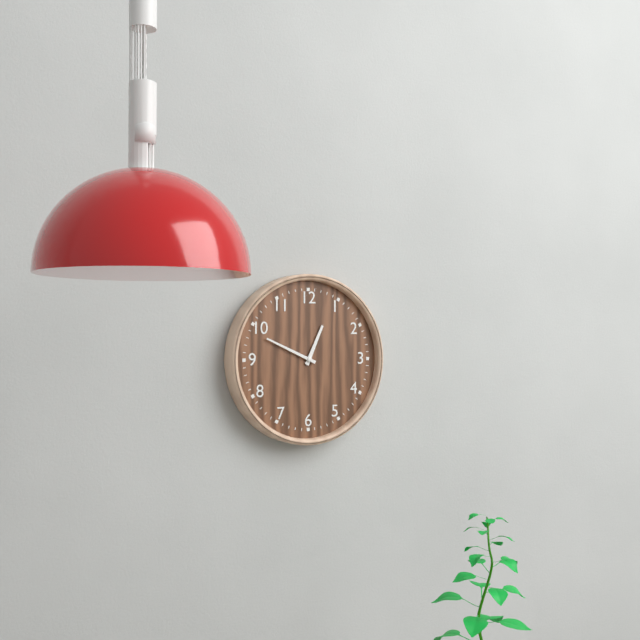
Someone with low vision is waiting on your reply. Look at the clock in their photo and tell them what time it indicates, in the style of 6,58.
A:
12,49
